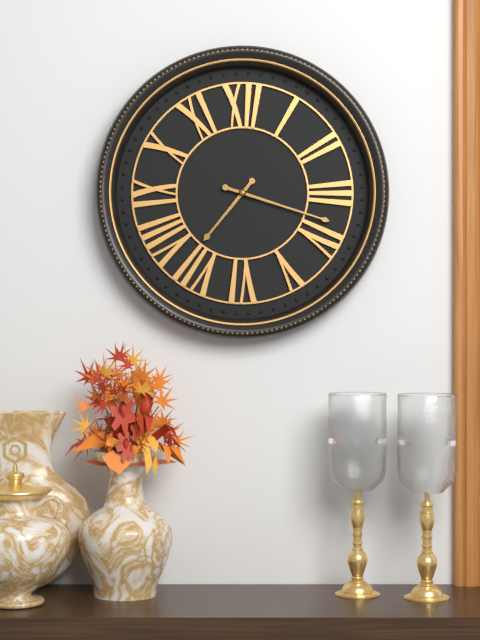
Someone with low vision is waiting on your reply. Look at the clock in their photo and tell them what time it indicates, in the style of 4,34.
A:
7,18
